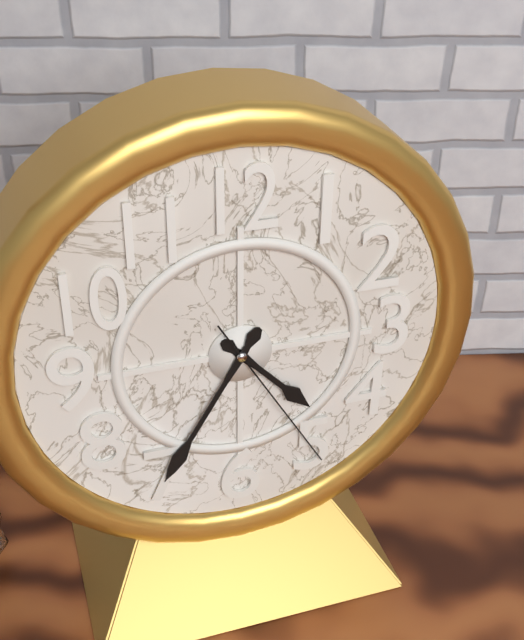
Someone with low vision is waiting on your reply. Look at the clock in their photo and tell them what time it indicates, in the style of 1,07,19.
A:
4,35,25
